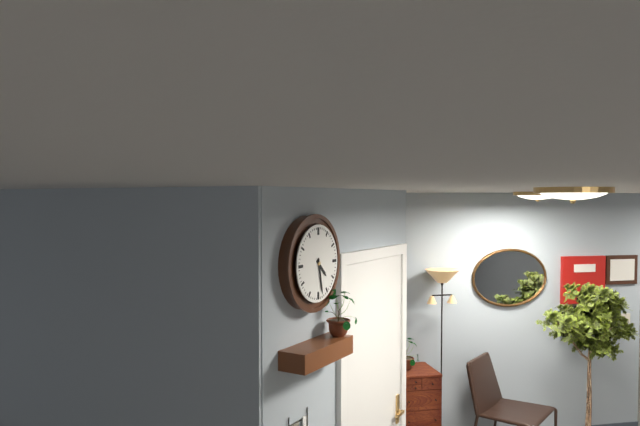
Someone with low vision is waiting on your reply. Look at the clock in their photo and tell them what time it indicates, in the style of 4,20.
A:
4,28
